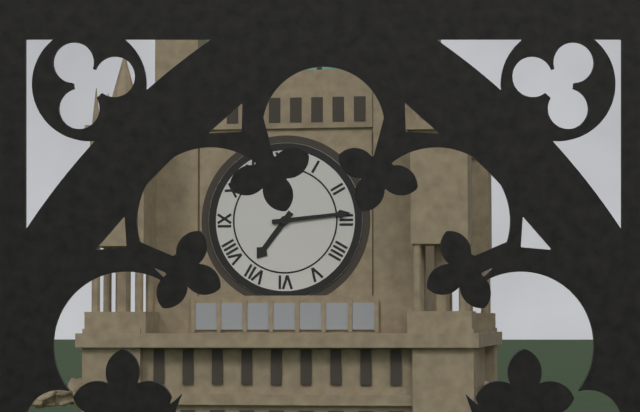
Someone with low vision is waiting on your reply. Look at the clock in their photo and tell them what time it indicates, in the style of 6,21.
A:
7,14
